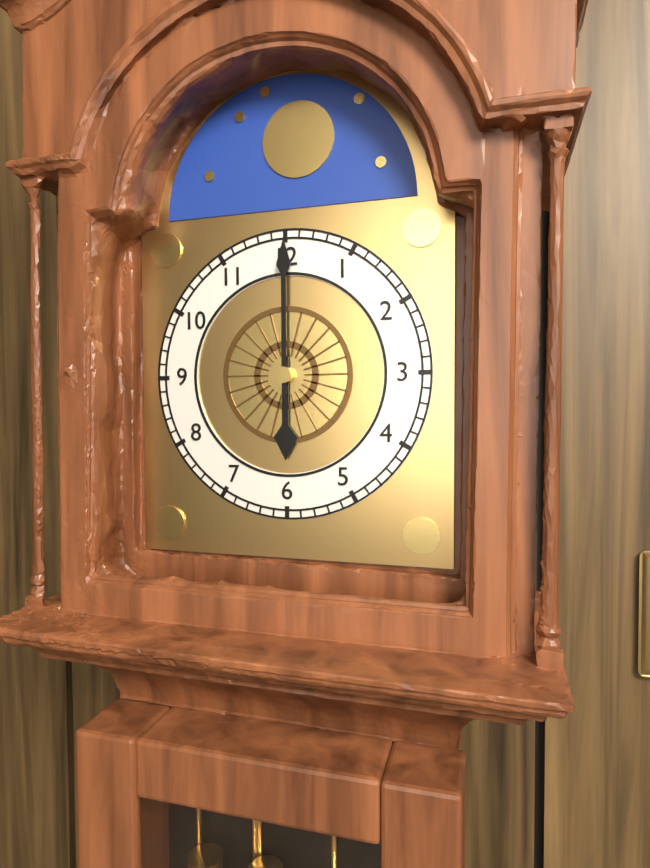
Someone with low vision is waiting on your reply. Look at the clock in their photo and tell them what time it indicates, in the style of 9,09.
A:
6,00
